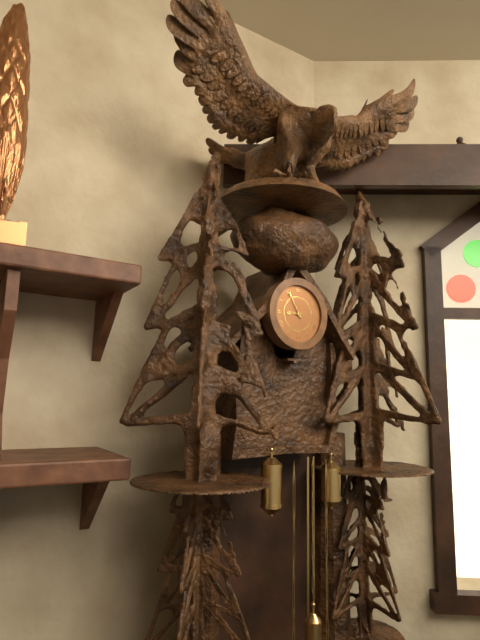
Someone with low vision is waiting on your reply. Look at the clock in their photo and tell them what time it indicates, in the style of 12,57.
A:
8,55
